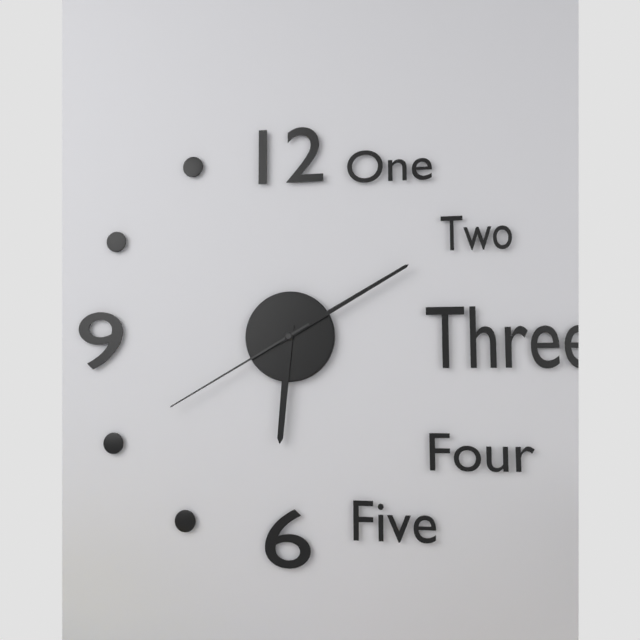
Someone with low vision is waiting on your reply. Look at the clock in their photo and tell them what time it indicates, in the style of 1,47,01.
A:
6,10,40
